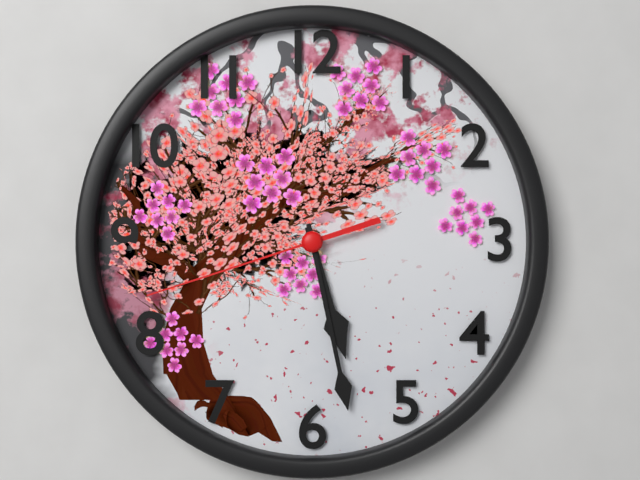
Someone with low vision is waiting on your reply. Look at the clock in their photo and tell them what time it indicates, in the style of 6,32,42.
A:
5,28,42
